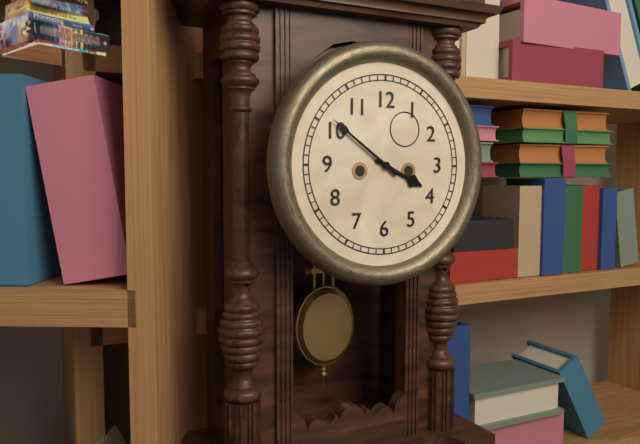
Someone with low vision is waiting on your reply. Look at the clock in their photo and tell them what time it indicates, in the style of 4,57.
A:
3,51
